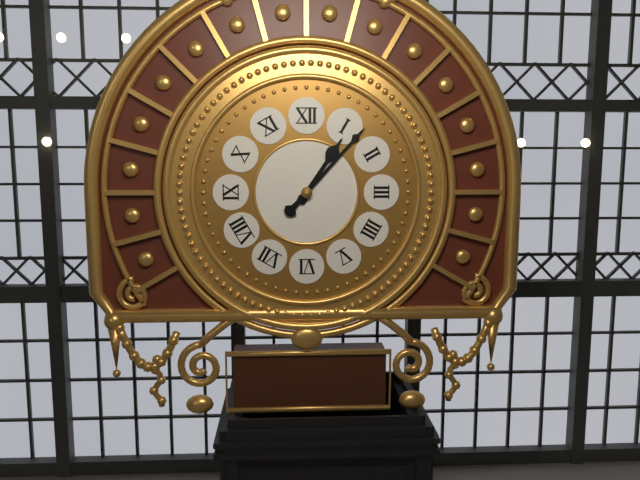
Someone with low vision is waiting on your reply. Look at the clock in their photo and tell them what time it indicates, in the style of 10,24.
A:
1,07
